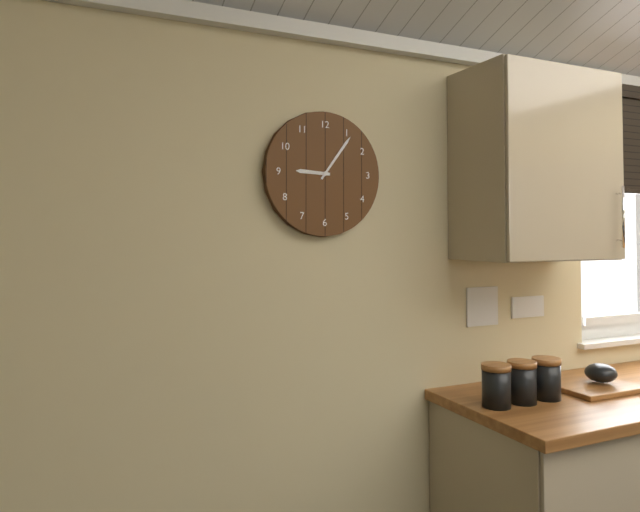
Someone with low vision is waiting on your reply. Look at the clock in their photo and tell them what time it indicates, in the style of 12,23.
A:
9,06
